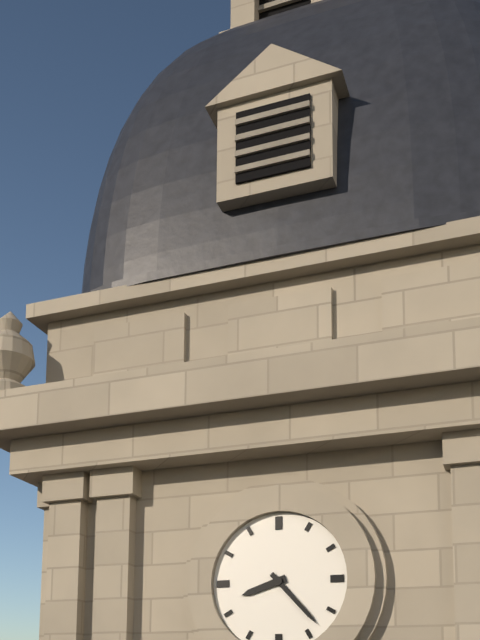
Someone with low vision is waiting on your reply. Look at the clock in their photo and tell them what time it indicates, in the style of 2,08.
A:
8,23
